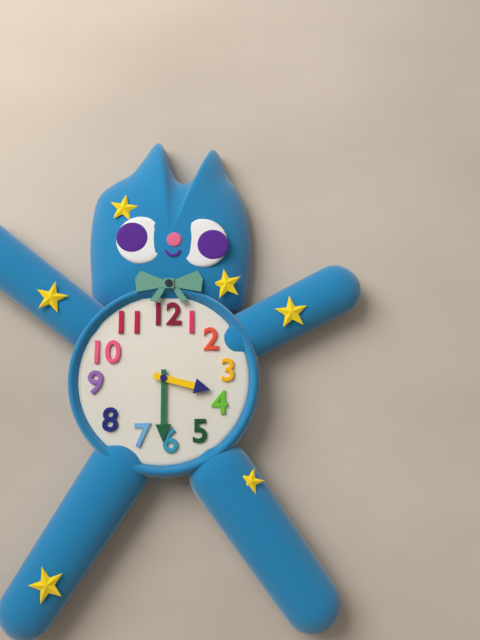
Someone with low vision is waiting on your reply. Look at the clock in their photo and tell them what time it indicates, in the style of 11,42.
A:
3,30
